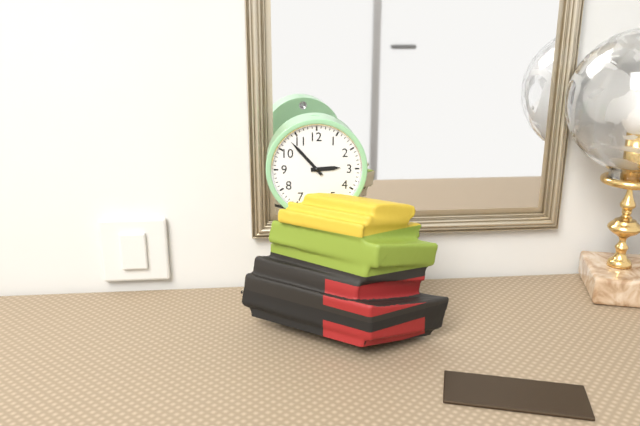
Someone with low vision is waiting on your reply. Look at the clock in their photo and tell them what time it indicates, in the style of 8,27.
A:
2,53
